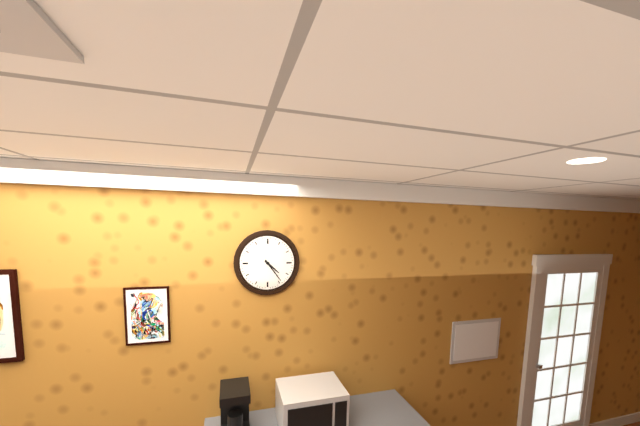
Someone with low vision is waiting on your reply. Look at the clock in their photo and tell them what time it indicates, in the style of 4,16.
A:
4,24
